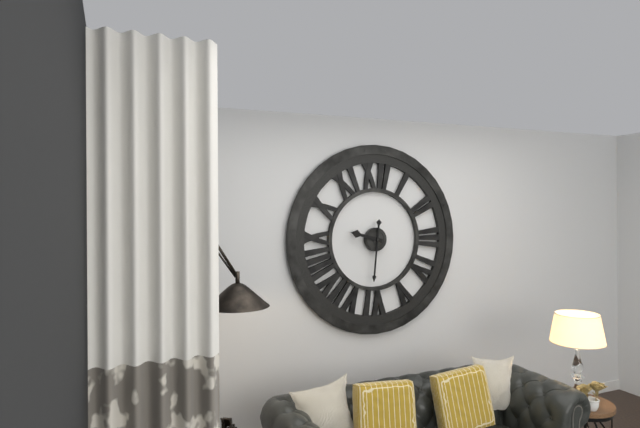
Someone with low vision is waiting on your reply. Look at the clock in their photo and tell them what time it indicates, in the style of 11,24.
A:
9,31
